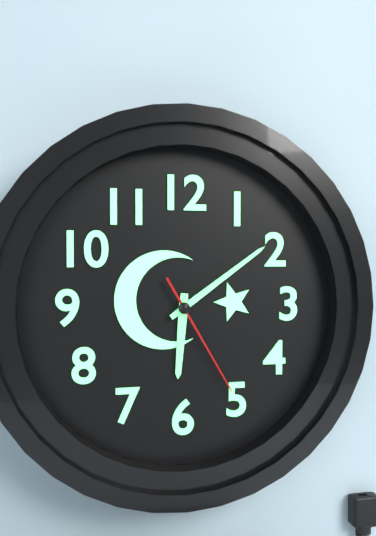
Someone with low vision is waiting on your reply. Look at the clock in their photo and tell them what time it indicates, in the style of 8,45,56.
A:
6,09,25
